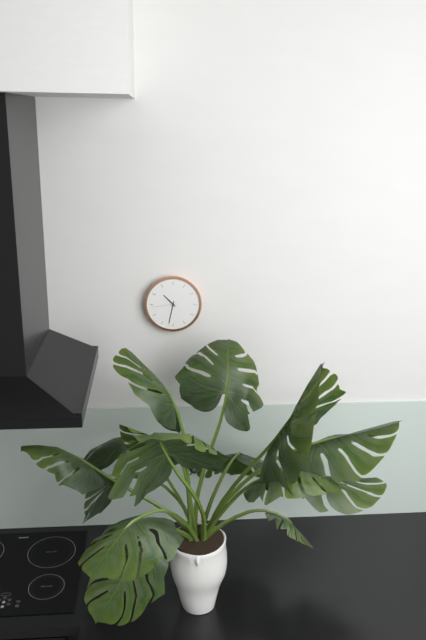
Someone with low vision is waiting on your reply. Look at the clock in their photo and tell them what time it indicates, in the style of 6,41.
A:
10,32
